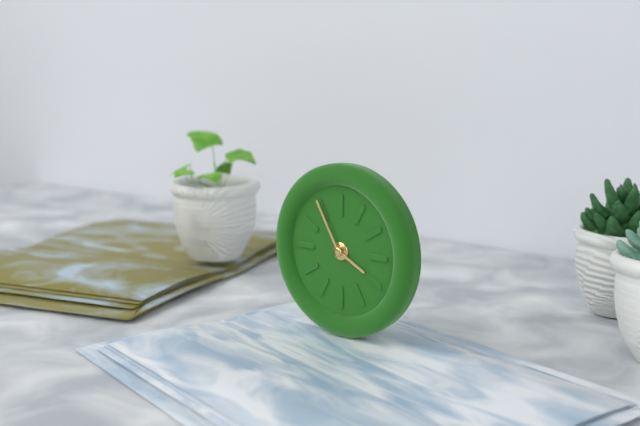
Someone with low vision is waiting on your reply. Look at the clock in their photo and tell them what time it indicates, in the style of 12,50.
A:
3,55
